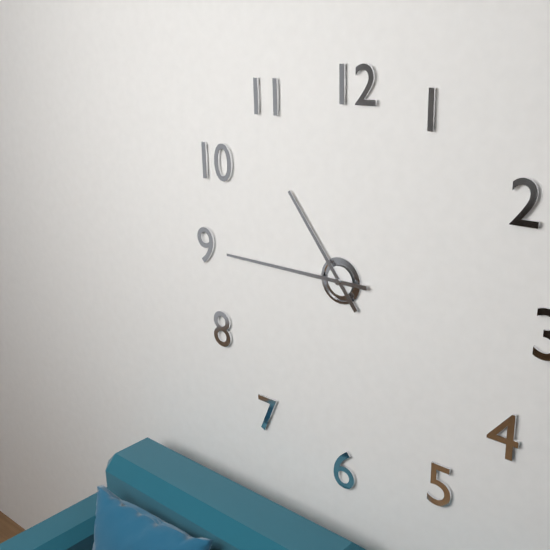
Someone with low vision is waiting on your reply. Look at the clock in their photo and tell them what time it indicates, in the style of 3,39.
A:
10,45
